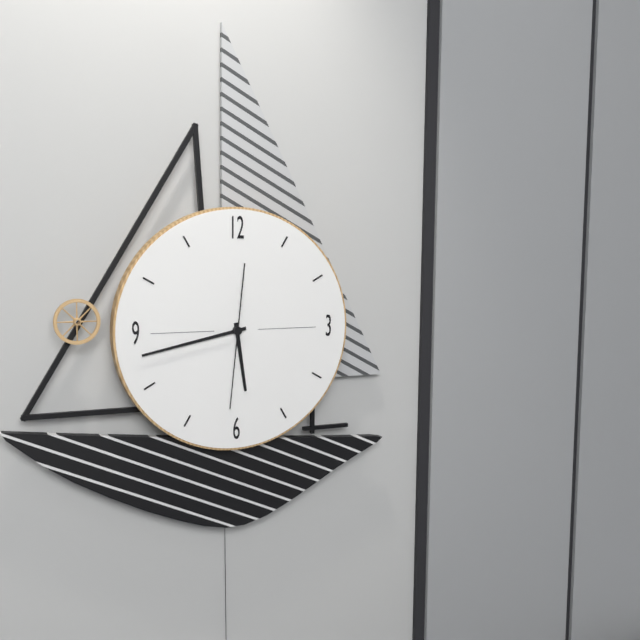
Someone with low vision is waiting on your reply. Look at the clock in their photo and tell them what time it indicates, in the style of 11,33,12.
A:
5,43,31
